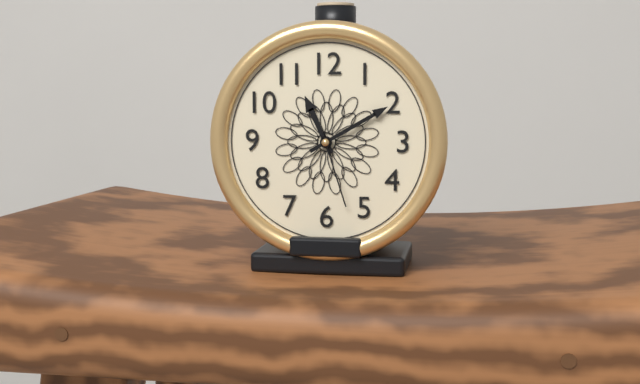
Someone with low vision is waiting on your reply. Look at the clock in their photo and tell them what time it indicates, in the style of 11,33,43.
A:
11,10,27
